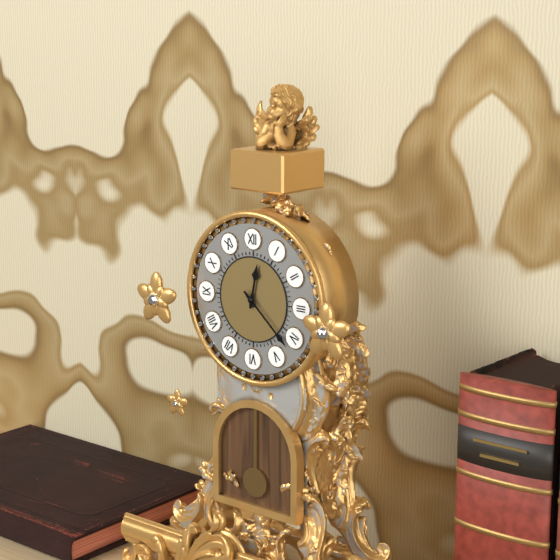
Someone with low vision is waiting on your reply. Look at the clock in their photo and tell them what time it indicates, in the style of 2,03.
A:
12,22
